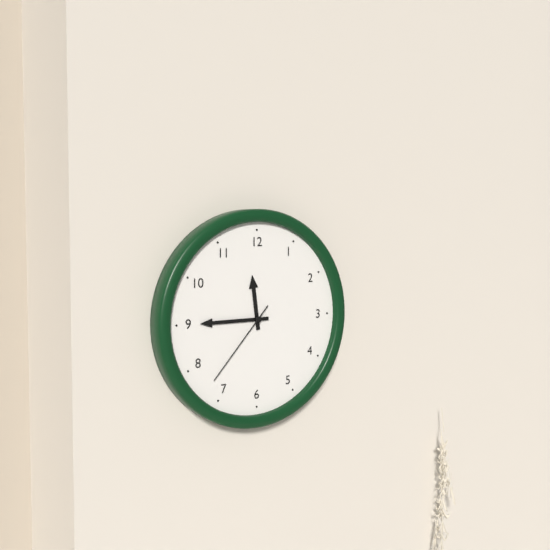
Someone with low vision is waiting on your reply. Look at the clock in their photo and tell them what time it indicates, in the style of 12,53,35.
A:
11,45,37
